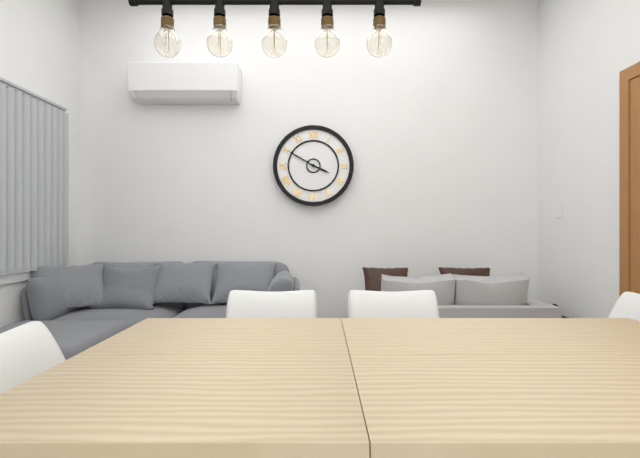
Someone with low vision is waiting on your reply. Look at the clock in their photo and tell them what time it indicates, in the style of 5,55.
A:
3,50
